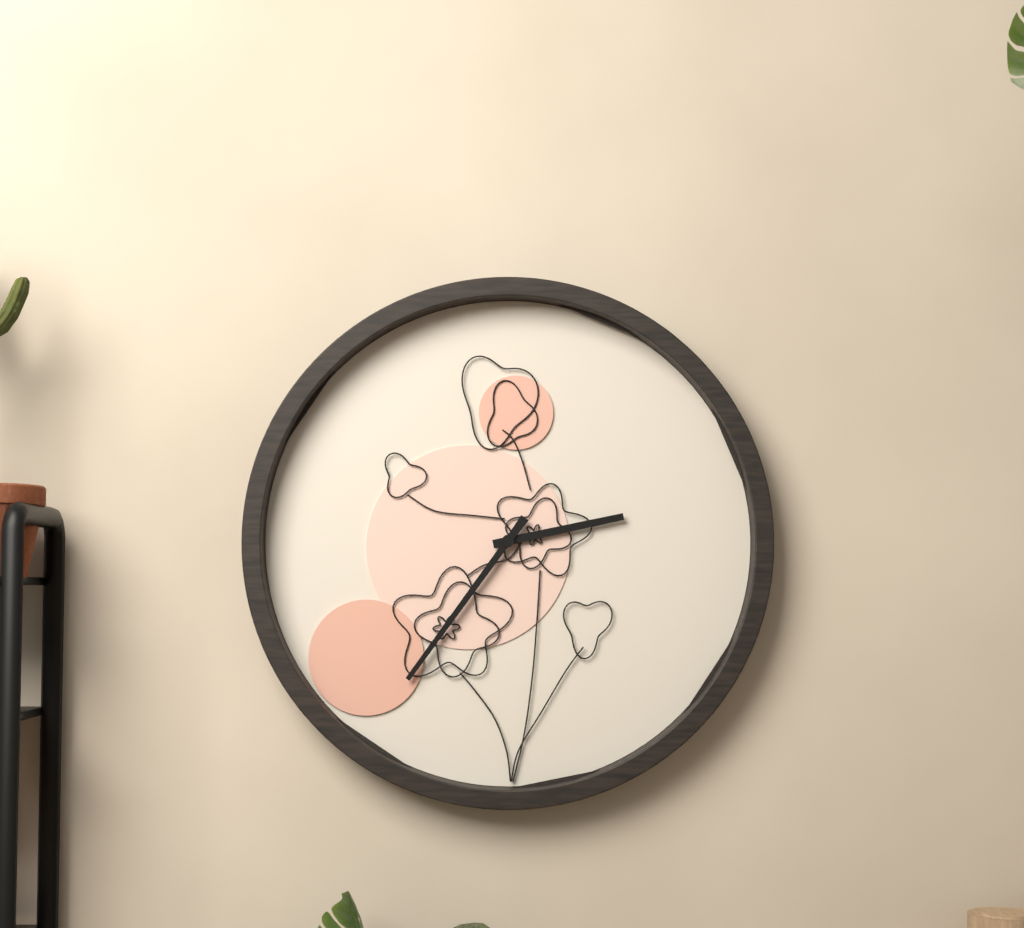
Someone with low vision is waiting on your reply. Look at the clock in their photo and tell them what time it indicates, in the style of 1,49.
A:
2,36
